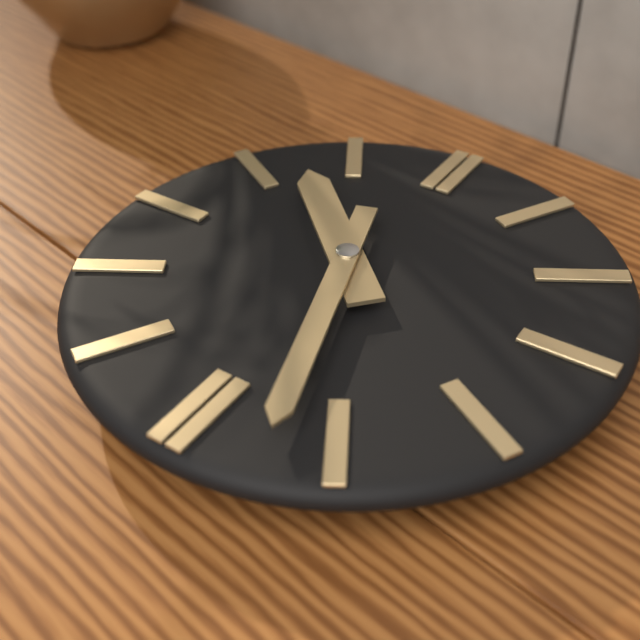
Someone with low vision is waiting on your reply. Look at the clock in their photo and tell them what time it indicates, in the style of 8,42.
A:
10,27
